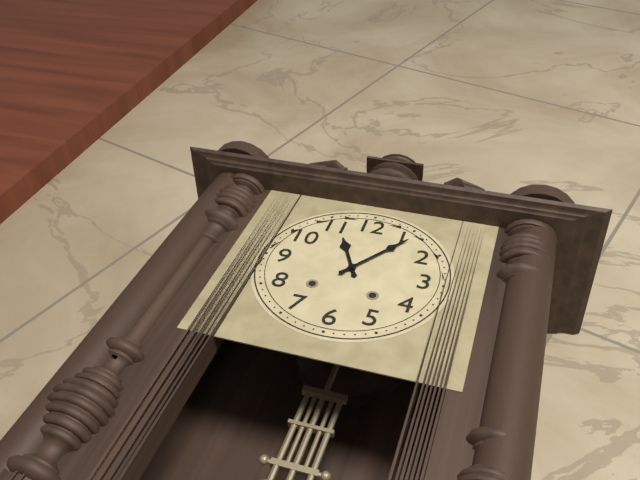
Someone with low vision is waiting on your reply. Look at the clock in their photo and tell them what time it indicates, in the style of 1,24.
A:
11,06
